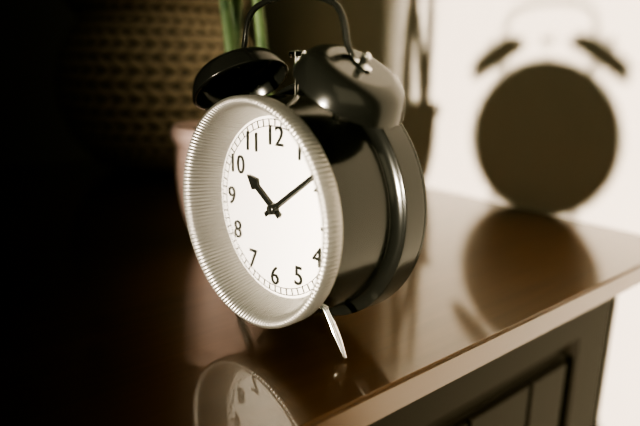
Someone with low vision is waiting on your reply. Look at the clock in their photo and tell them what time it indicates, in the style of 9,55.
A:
10,09
